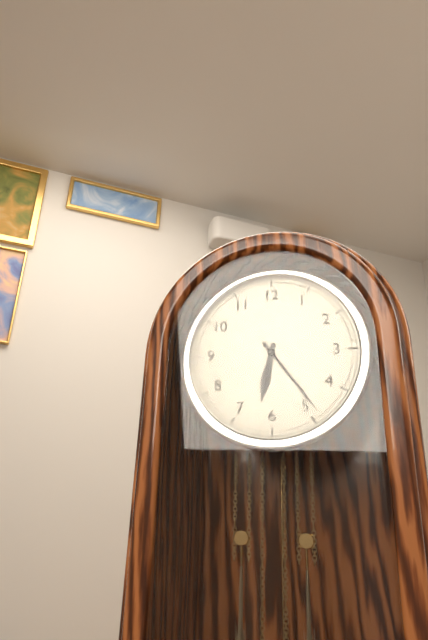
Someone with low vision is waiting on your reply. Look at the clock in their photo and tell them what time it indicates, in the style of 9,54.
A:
6,24
